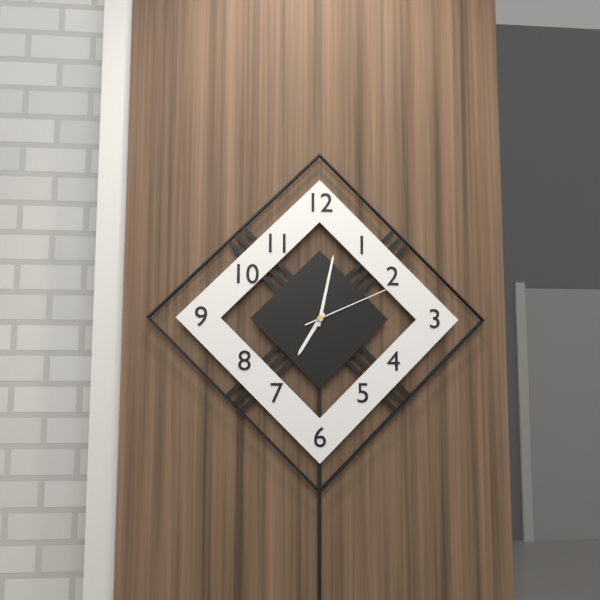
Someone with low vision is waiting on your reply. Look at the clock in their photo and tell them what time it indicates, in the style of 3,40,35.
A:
7,02,11
